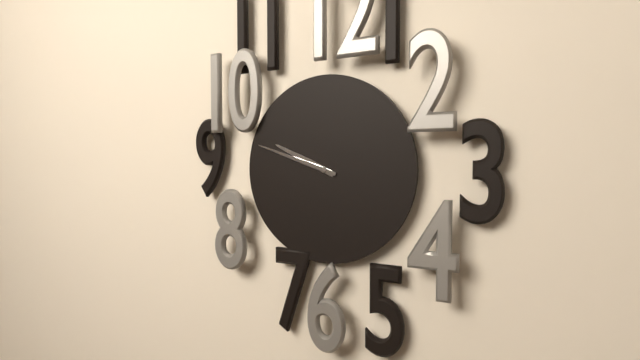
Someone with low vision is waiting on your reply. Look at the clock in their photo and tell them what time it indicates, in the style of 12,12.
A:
9,48
